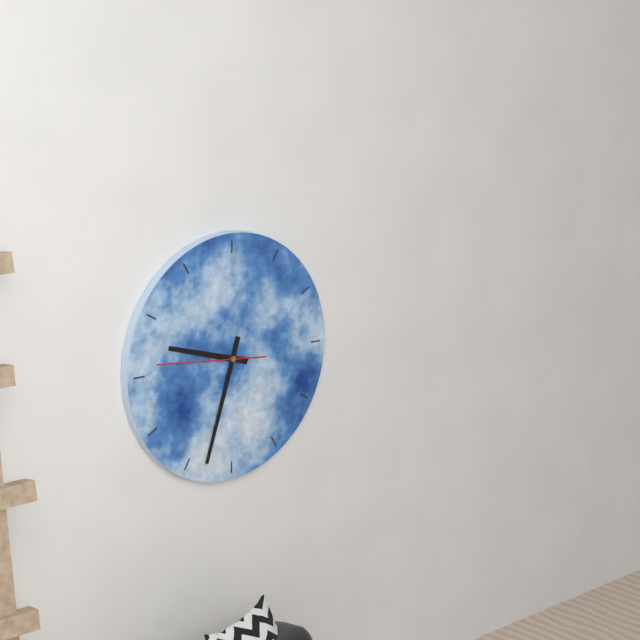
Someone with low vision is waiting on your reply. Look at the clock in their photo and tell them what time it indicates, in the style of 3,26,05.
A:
9,33,46
